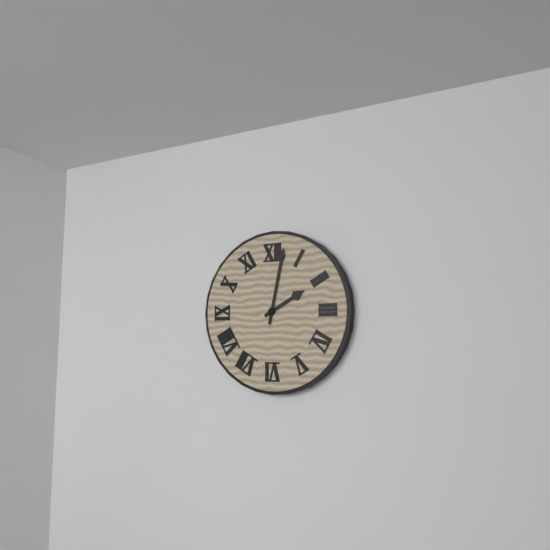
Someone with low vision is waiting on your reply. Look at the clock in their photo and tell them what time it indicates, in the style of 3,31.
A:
2,02
